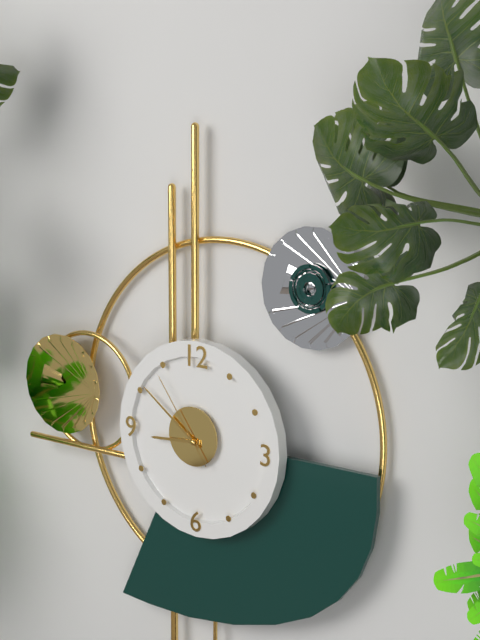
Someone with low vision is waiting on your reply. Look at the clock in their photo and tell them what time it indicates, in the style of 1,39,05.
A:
8,51,54
